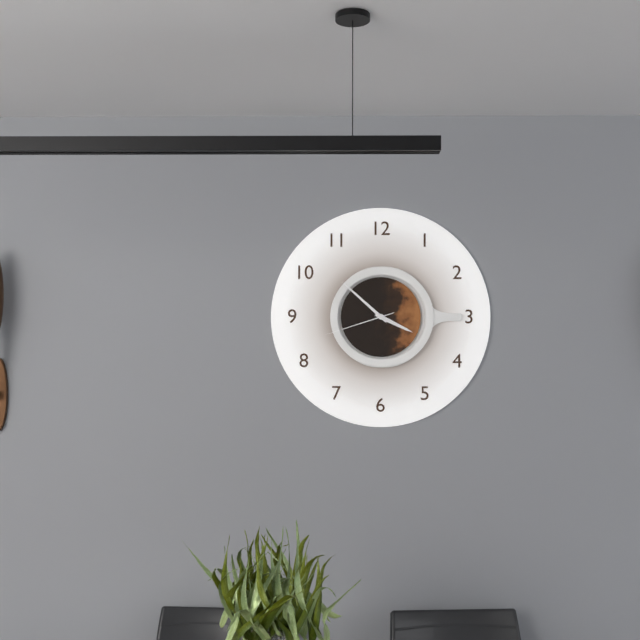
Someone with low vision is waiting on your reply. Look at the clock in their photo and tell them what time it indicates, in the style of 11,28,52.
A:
3,52,42
